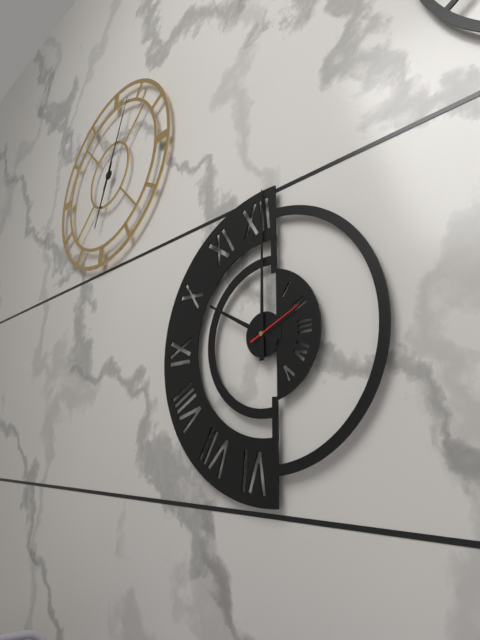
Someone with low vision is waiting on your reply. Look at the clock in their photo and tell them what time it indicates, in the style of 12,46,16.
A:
10,00,11
